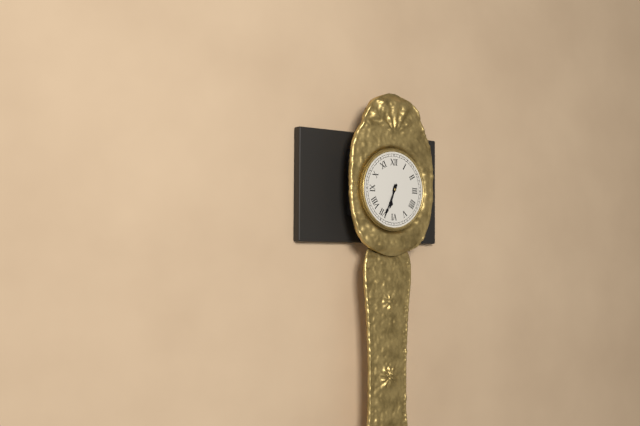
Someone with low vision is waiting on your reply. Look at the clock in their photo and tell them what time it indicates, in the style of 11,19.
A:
6,34
